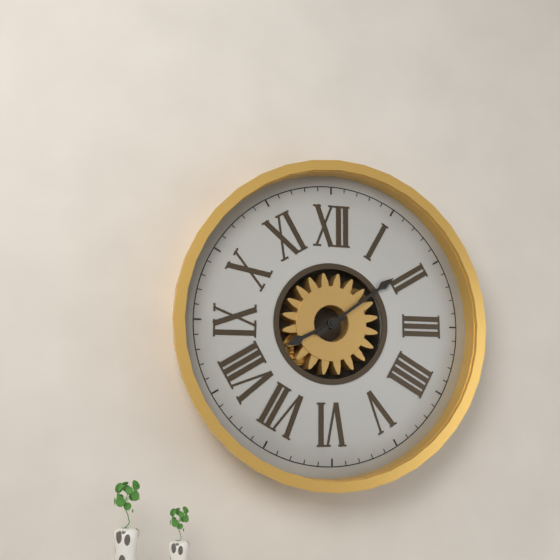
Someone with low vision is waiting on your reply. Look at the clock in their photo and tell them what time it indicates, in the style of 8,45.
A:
8,09
